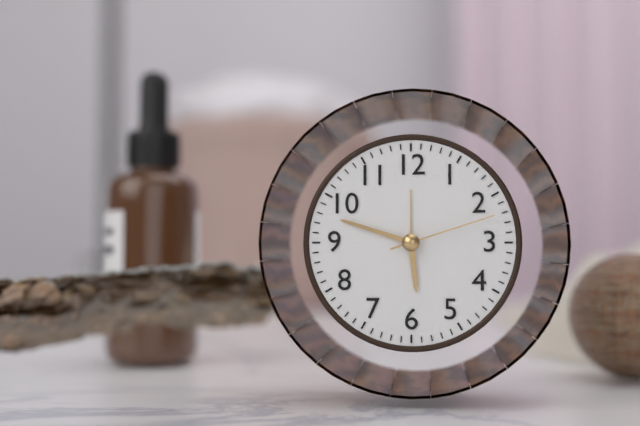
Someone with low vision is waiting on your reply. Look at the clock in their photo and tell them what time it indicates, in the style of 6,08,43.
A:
5,48,12
